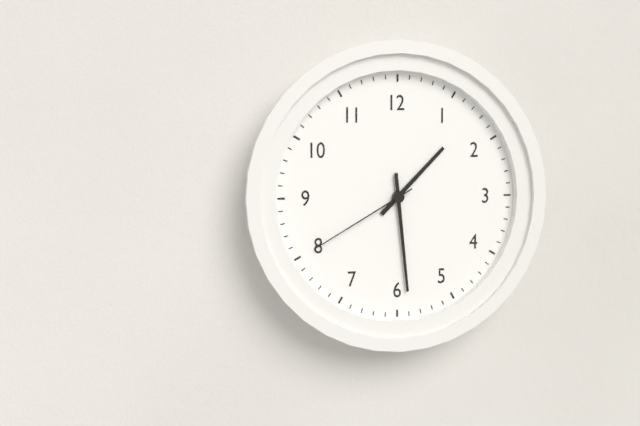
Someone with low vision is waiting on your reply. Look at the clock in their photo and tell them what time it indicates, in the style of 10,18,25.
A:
1,29,40
